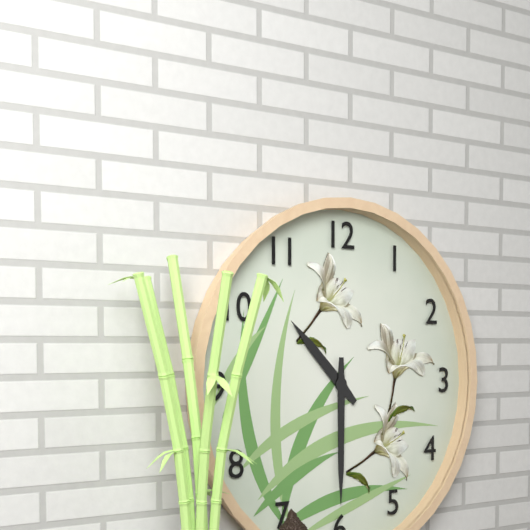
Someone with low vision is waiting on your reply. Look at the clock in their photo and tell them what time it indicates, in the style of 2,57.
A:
10,30
